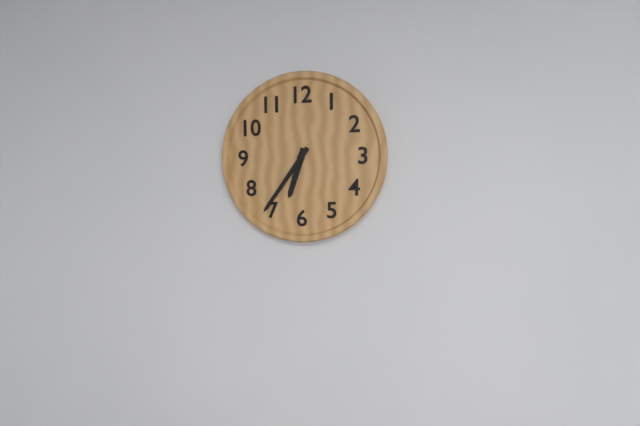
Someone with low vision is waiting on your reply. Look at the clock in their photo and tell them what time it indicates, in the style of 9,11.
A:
6,36
